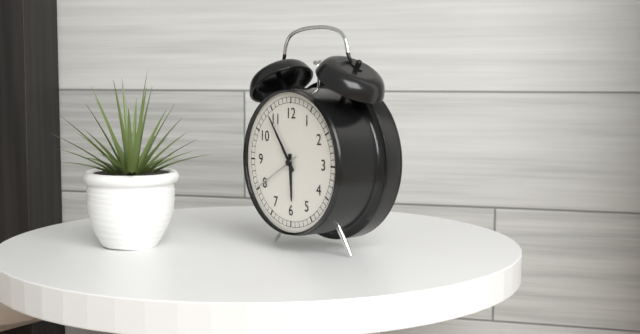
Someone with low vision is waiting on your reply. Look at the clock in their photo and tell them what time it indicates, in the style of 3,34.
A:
5,54
